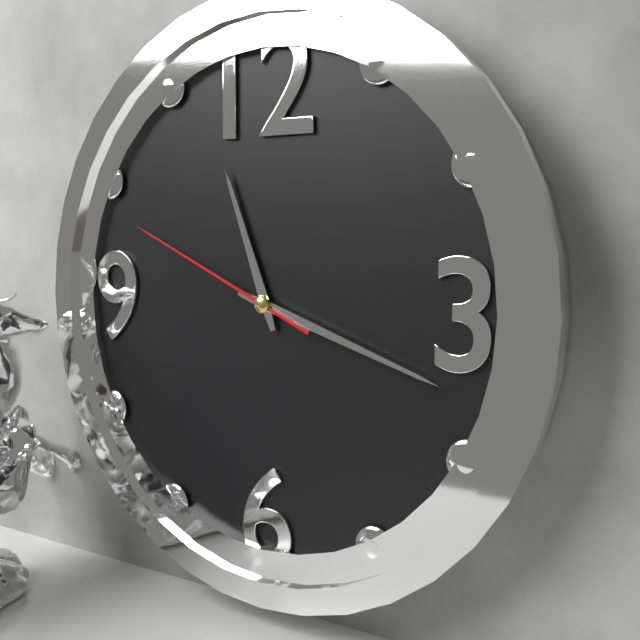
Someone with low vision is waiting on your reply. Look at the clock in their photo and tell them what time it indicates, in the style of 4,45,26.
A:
11,18,49
